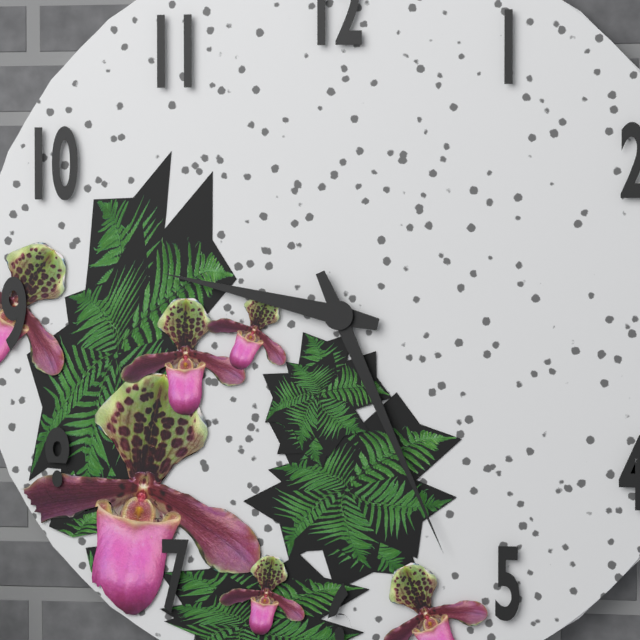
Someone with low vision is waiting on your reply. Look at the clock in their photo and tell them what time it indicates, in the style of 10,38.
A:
9,26
